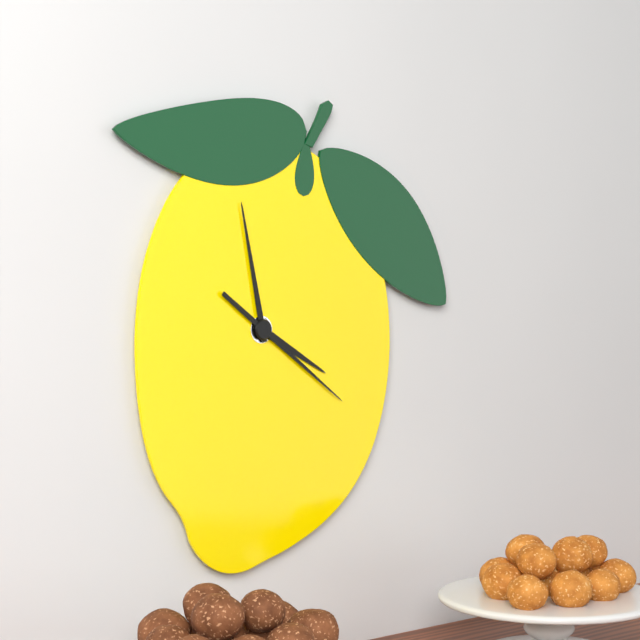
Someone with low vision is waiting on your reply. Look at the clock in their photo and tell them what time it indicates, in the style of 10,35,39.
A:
3,58,21
